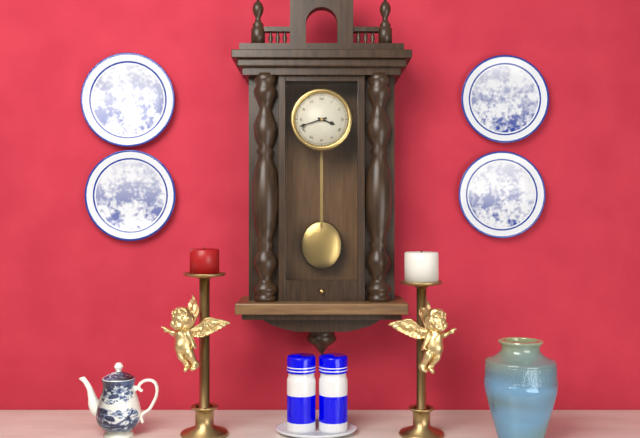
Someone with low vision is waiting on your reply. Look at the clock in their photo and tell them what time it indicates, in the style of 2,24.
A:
3,42
